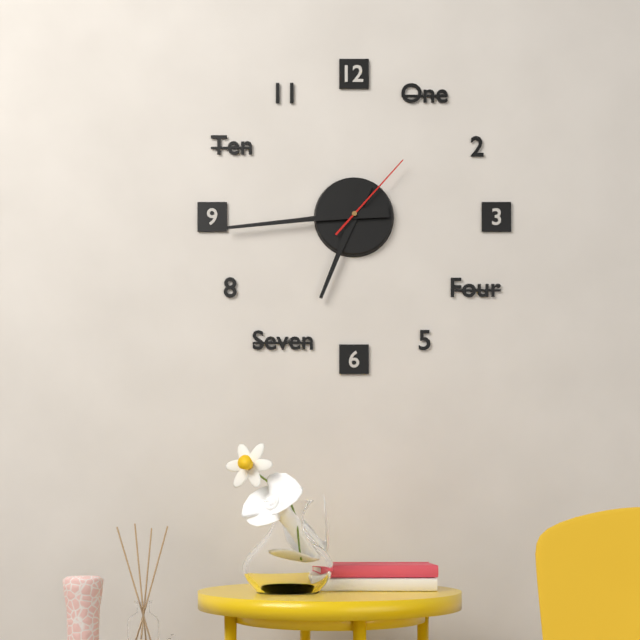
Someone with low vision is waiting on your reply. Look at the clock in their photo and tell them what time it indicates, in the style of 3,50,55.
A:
6,44,07
